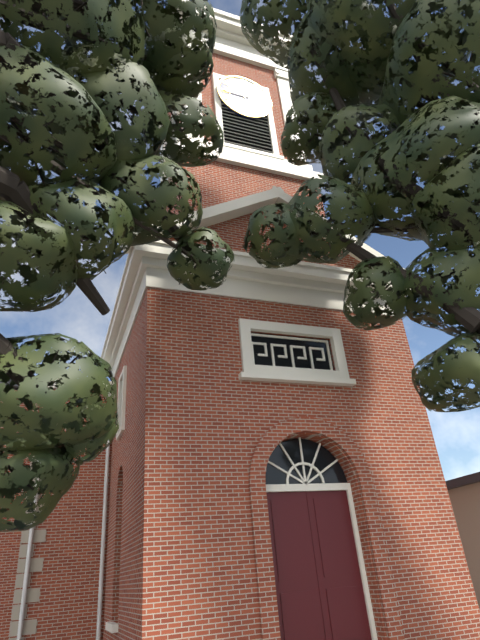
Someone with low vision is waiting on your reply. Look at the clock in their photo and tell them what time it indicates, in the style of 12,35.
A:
12,45
